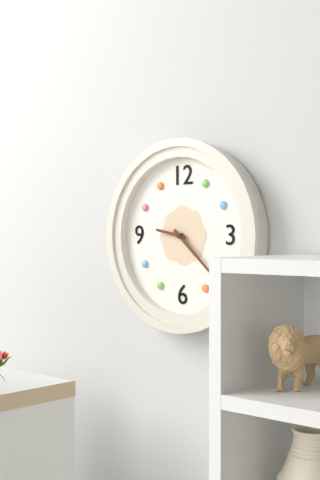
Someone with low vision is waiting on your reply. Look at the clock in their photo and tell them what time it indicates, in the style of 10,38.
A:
9,22
